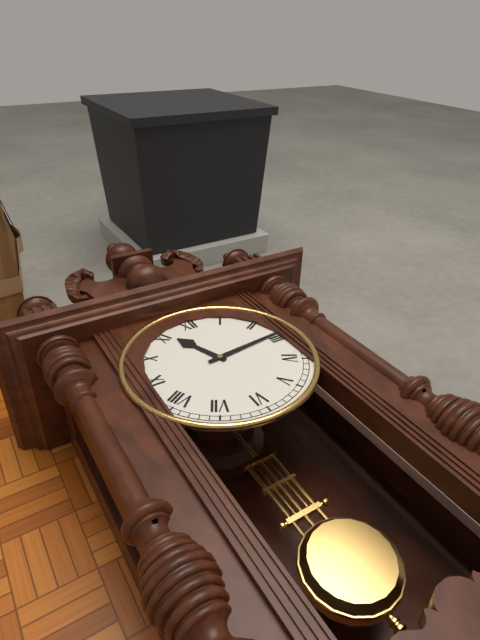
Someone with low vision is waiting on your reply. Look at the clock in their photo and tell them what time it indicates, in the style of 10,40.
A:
11,14
